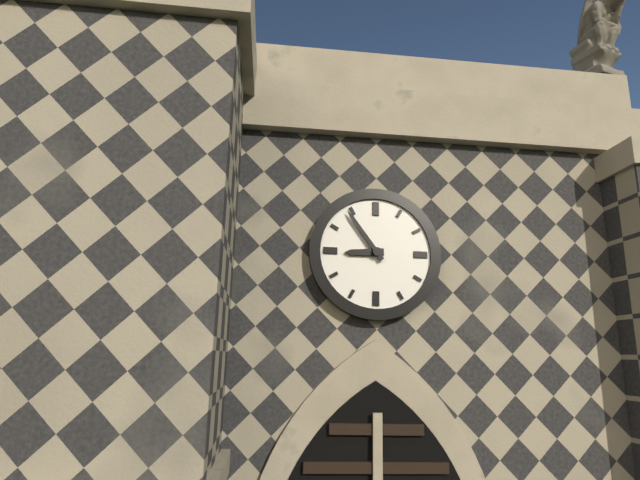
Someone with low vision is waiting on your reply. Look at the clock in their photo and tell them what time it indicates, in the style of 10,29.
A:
8,54
